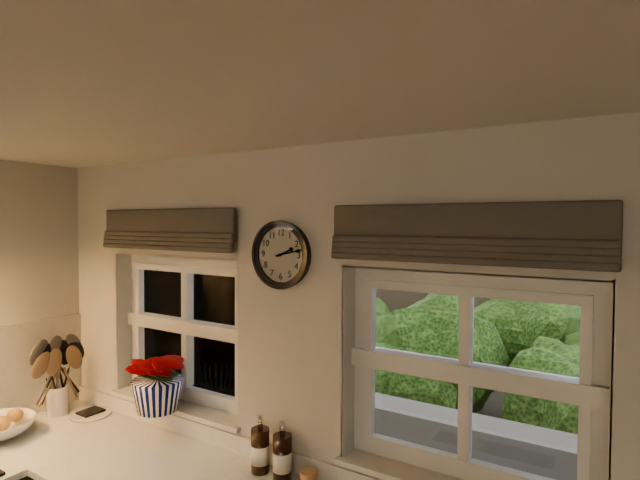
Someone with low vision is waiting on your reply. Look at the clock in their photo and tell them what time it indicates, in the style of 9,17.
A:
2,13
